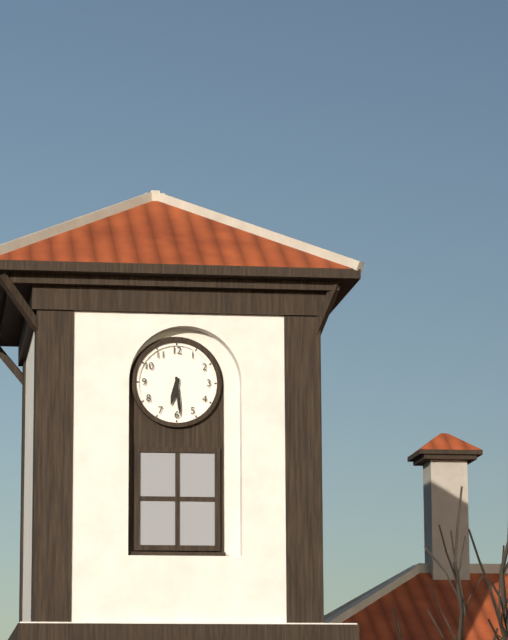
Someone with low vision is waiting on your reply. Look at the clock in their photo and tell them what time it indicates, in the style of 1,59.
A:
6,29
